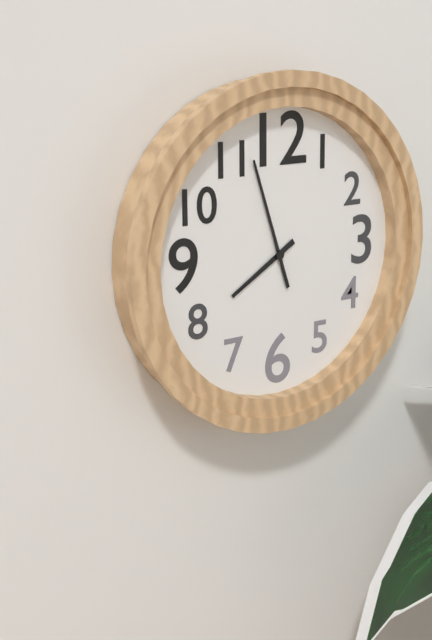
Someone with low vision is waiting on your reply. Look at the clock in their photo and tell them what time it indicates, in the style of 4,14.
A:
7,57
